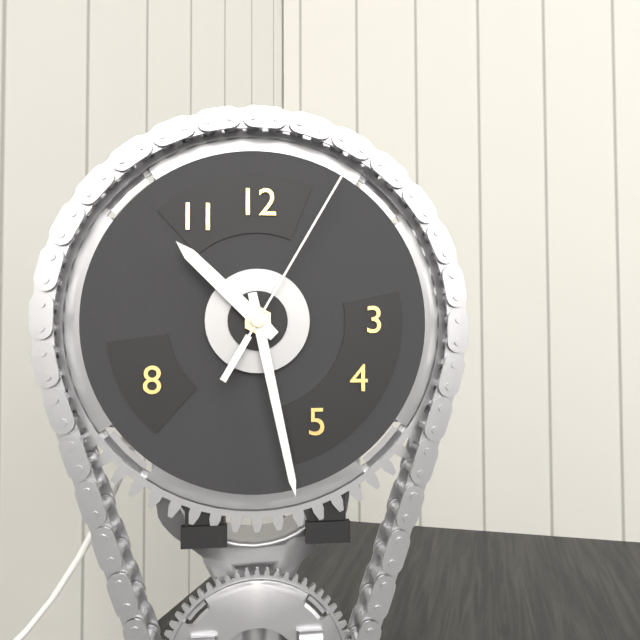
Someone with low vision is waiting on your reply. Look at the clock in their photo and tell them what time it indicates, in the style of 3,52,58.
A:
10,28,05
